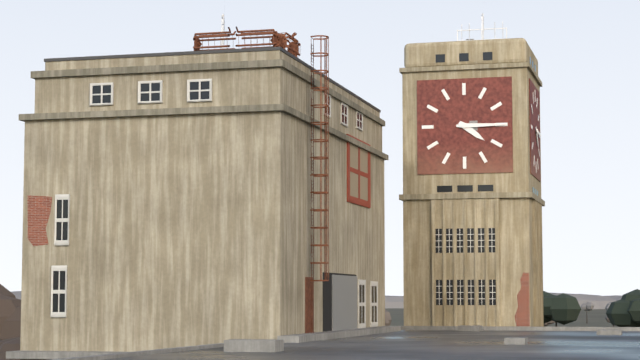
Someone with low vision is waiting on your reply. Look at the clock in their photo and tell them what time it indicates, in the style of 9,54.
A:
4,15
